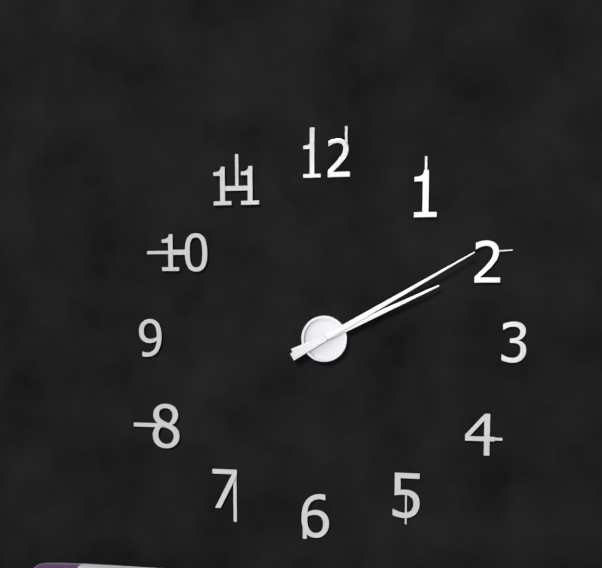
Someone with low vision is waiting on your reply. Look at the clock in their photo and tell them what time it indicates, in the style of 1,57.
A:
2,10
